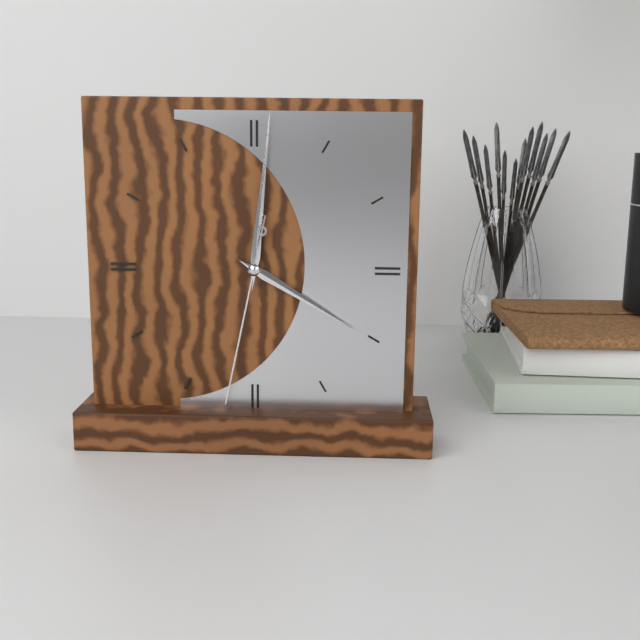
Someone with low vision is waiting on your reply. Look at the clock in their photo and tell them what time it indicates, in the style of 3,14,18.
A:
4,01,32
